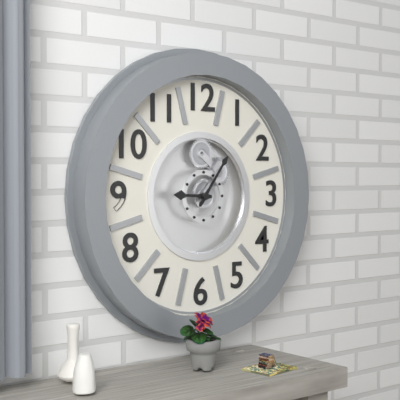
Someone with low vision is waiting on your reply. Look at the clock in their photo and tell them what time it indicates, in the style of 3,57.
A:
9,06
